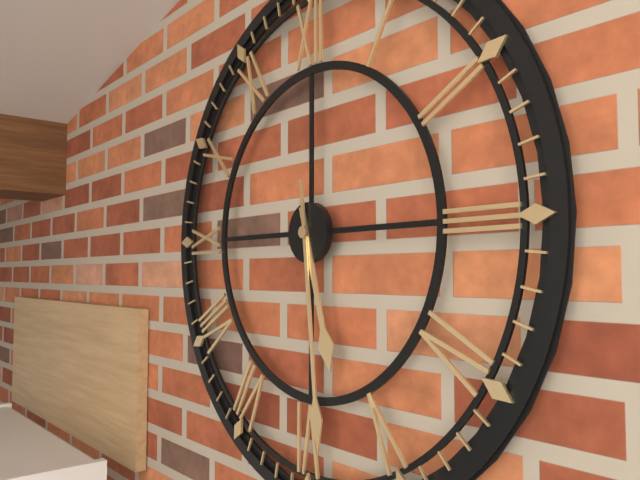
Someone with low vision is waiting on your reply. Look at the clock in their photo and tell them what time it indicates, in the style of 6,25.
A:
5,29
